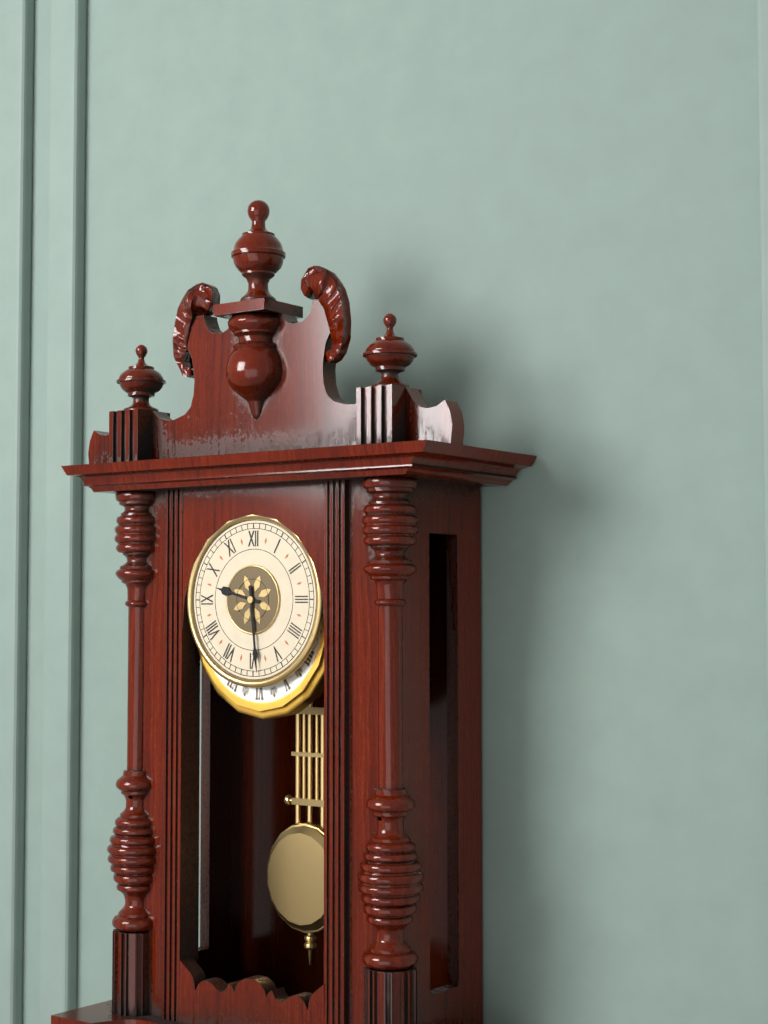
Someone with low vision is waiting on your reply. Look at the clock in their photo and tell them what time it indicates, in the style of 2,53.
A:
9,29
